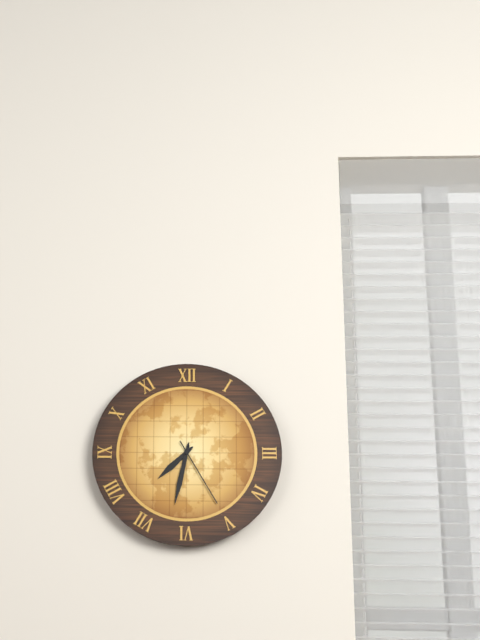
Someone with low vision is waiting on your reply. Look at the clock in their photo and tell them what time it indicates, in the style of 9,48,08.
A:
7,32,25
